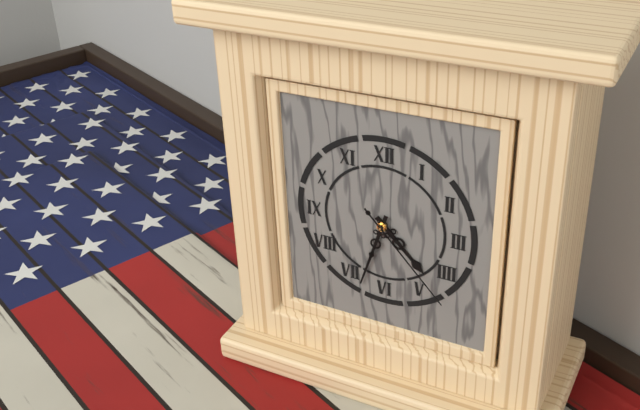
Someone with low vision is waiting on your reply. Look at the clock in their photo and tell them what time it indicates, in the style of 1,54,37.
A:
4,33,23
